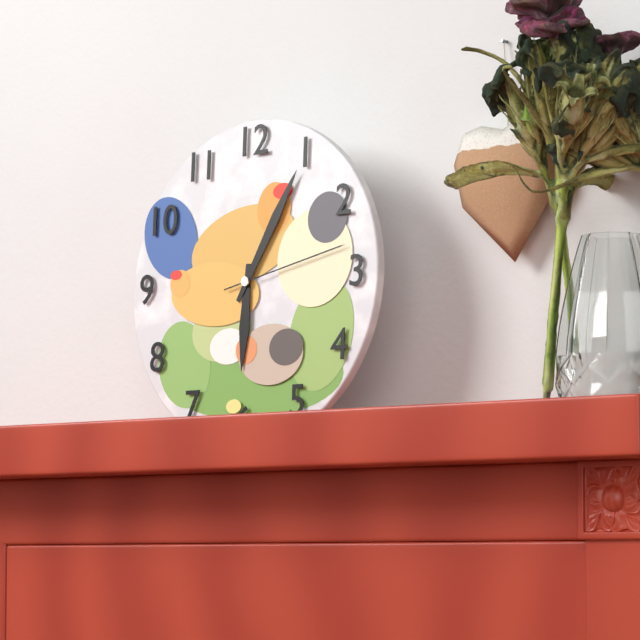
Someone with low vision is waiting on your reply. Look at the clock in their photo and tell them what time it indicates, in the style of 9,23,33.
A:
6,05,13
